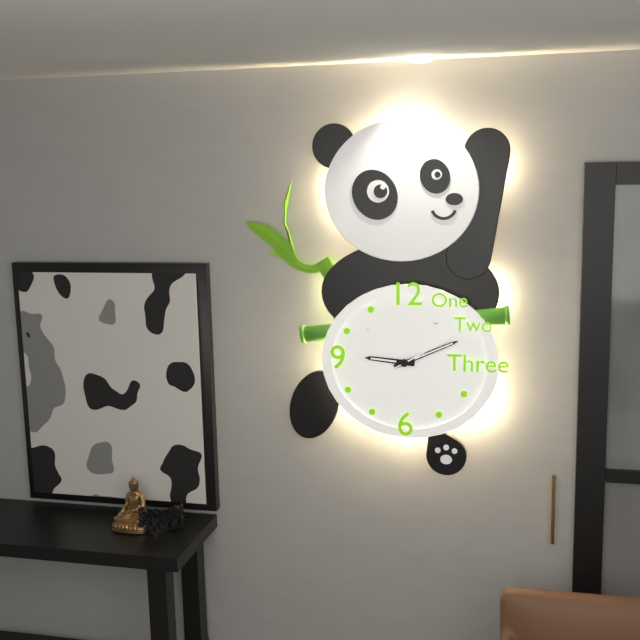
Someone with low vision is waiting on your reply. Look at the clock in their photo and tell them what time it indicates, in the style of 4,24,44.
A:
9,11,10
